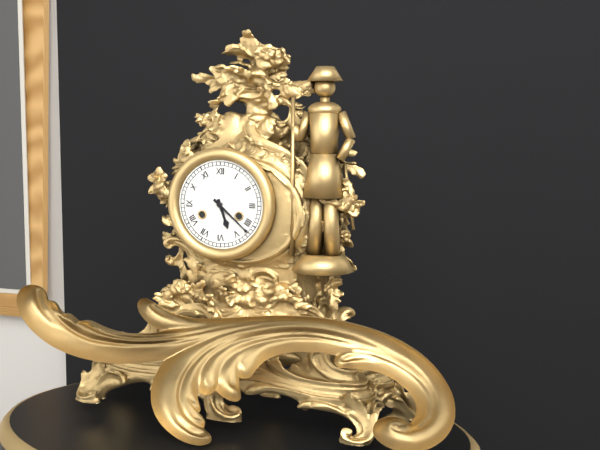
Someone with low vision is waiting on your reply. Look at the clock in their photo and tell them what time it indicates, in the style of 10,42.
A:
5,22
